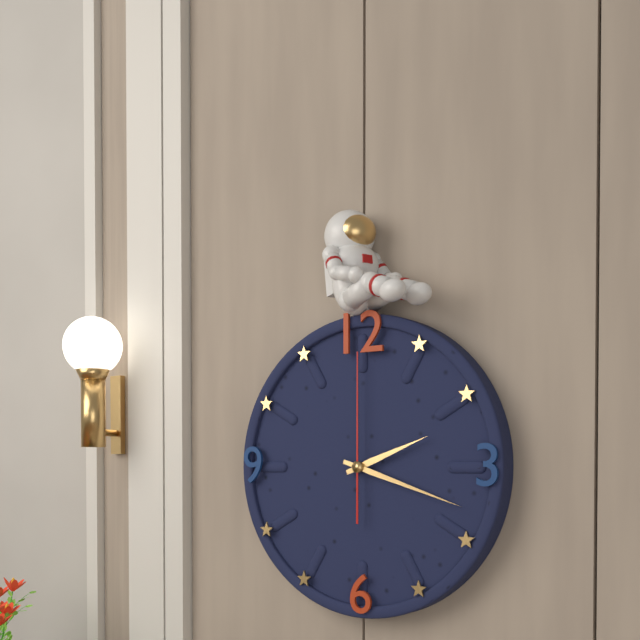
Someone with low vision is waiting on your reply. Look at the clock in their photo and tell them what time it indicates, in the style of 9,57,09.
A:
2,18,00
